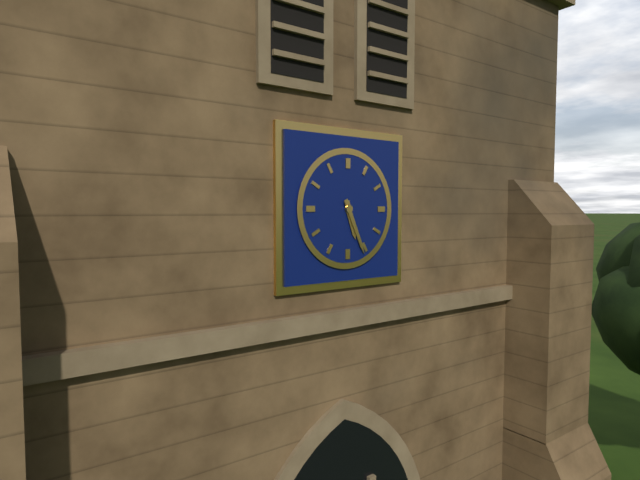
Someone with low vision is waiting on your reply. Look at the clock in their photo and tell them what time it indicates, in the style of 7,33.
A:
5,26
